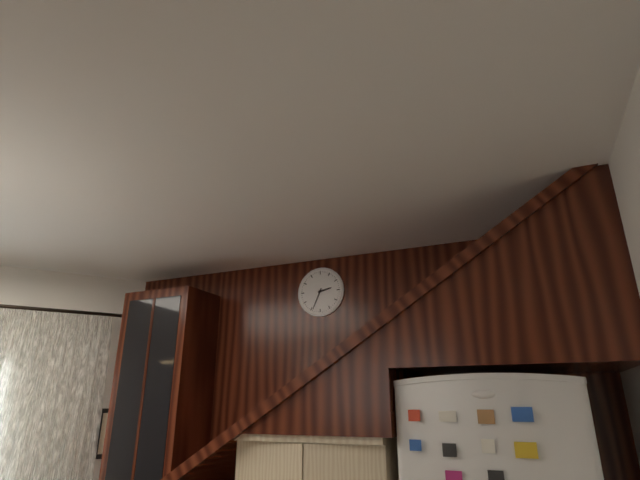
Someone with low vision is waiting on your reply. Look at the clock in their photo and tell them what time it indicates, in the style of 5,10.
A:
2,34
